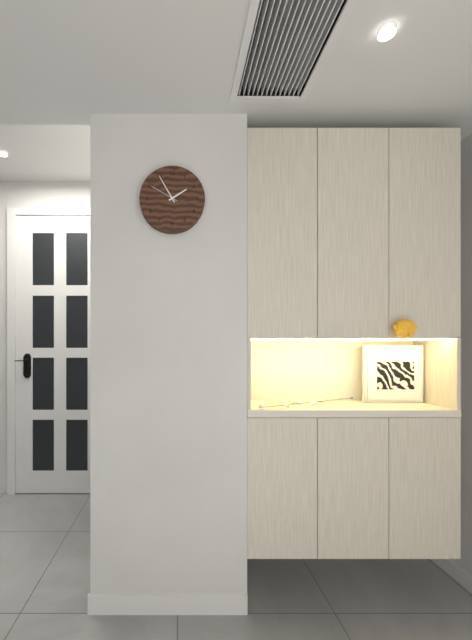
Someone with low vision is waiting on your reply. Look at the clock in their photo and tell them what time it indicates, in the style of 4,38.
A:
1,55
